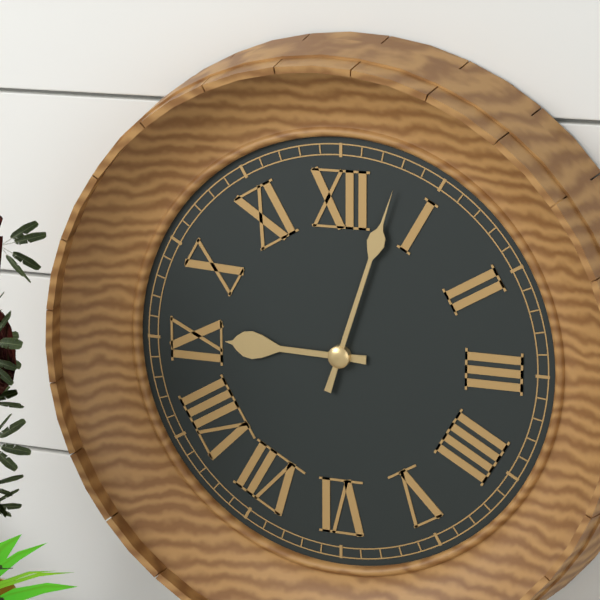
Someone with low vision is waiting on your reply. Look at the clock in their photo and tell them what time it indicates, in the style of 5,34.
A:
9,03
